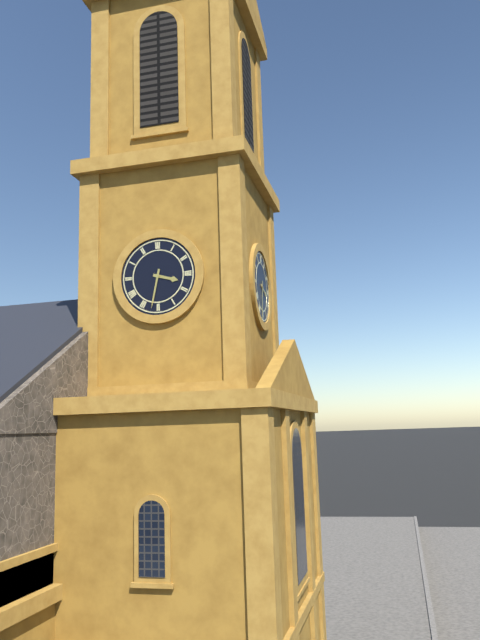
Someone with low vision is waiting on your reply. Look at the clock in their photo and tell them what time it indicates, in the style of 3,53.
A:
3,32
